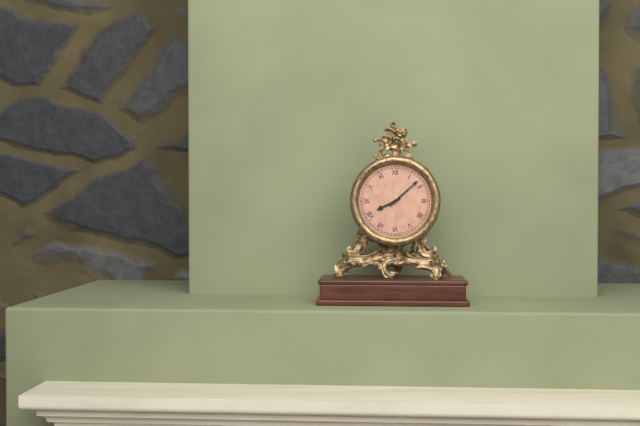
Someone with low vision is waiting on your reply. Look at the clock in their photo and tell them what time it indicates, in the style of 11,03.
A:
8,08
